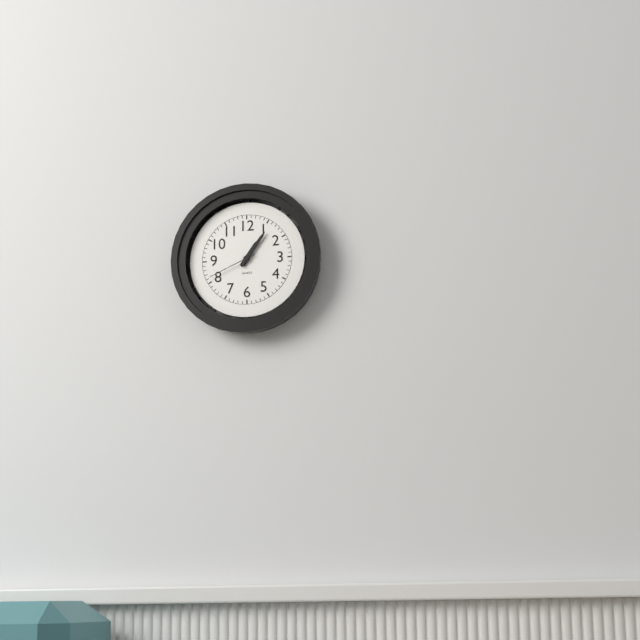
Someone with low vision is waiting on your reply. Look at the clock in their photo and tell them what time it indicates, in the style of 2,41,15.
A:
1,06,41
